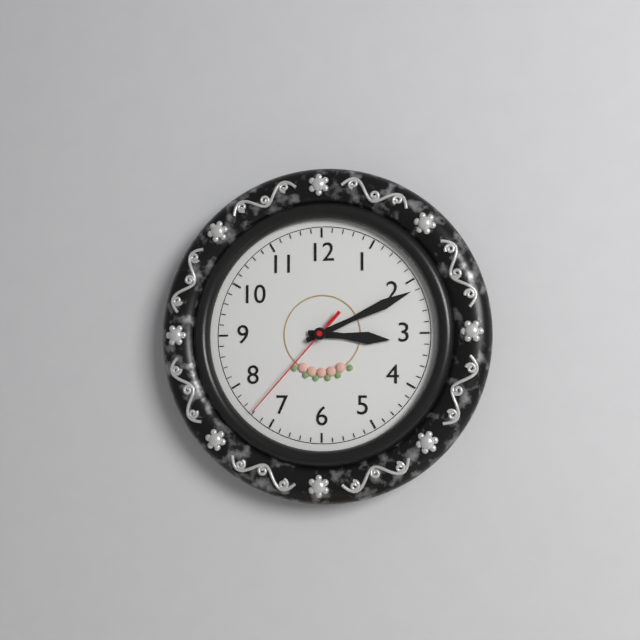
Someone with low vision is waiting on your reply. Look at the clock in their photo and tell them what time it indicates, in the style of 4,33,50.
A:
3,11,37
